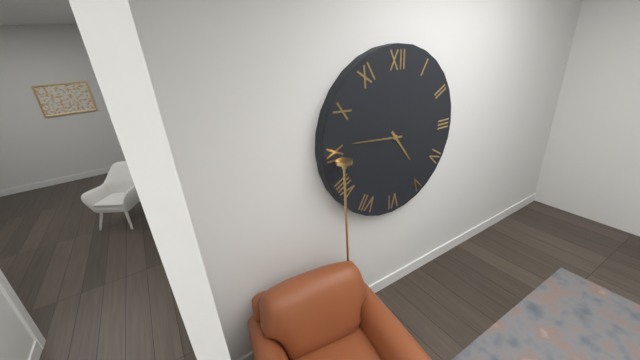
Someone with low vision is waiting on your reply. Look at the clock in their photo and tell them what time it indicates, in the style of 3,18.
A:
4,46
